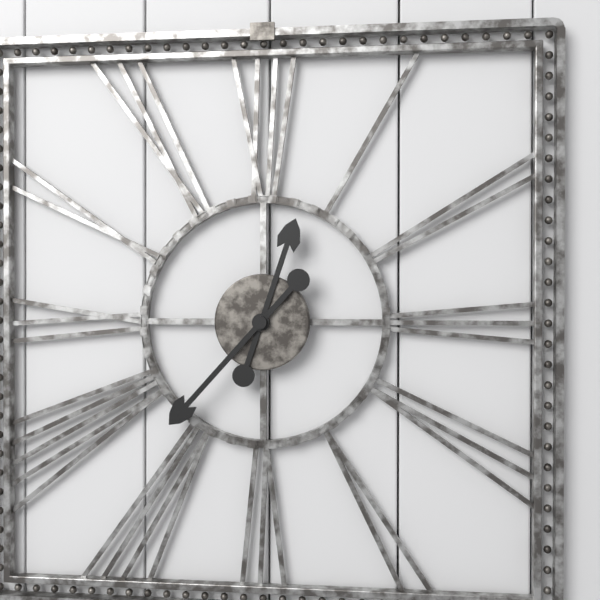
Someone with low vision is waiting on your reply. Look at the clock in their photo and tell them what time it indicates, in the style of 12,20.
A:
12,37
